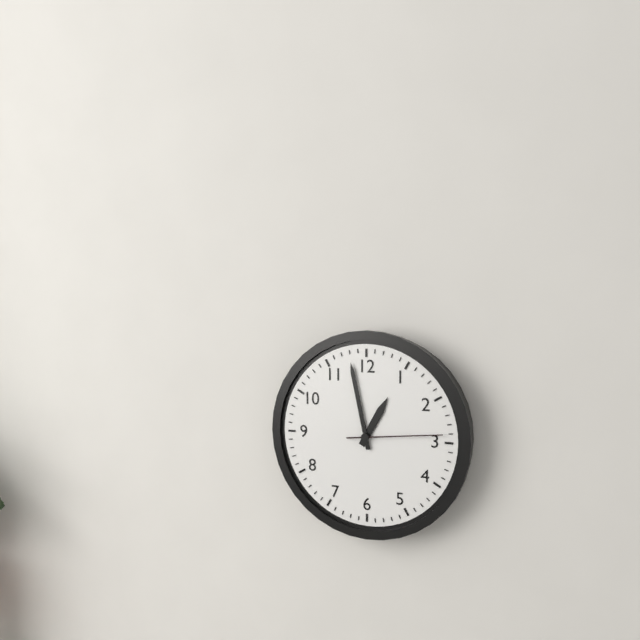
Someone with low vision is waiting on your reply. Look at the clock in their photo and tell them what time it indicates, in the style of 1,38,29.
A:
12,58,14
